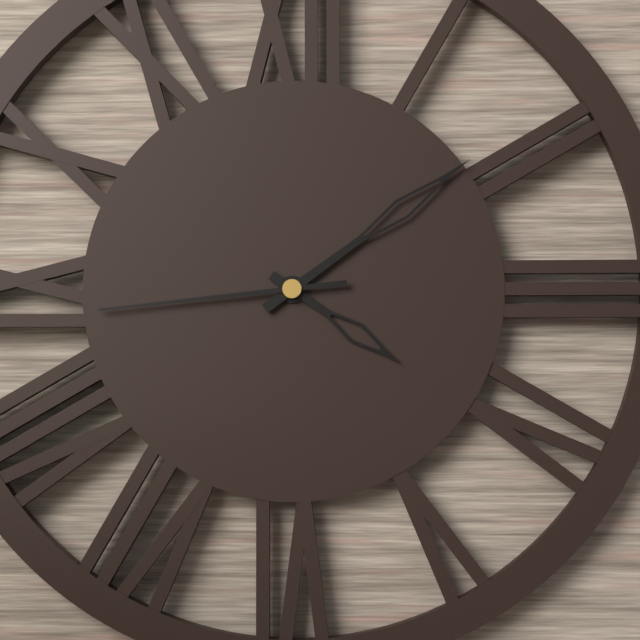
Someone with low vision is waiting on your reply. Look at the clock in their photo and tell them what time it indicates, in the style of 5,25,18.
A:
4,09,44
